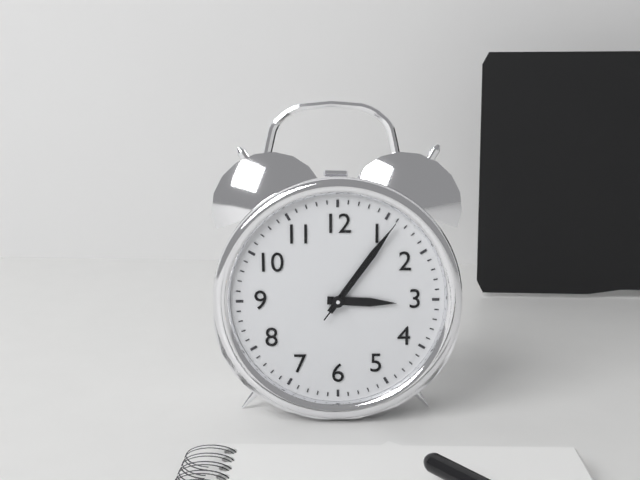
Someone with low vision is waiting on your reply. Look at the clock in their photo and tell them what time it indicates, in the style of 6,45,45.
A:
3,06,06
